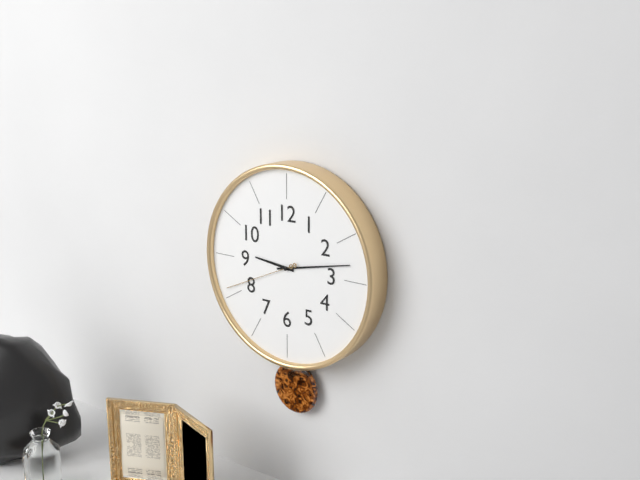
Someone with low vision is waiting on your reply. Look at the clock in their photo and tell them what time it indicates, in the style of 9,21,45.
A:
9,13,41
